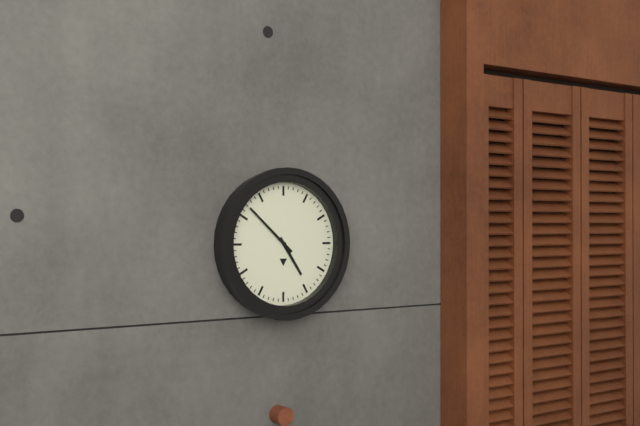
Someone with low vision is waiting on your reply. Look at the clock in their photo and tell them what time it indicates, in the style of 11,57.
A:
4,52
